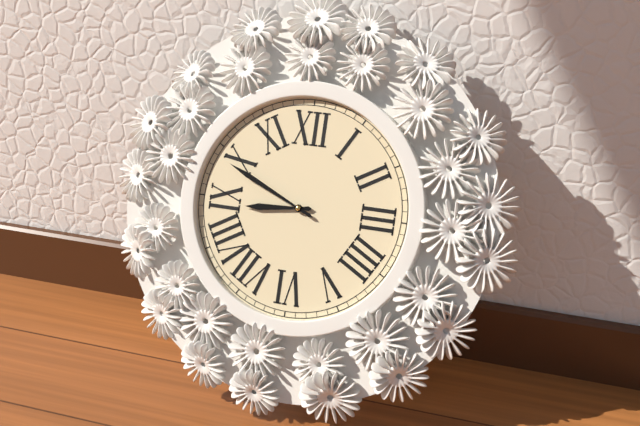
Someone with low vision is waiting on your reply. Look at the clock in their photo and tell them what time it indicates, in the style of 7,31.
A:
8,49
